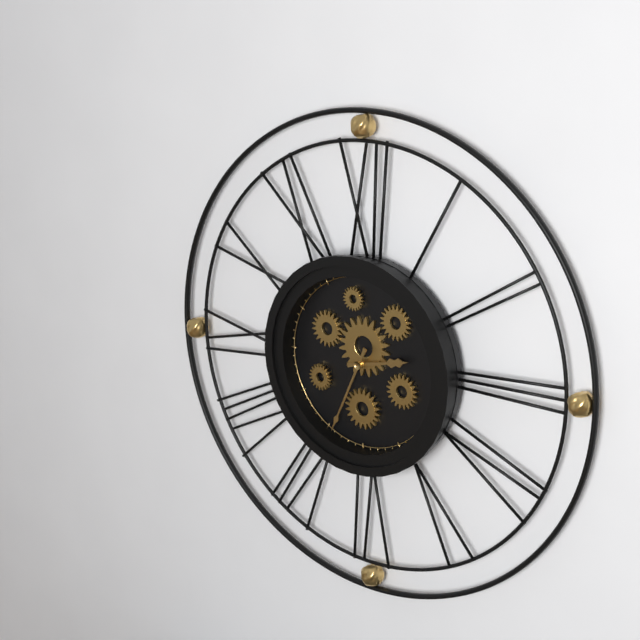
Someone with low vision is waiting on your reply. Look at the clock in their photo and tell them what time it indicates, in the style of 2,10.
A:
2,34
